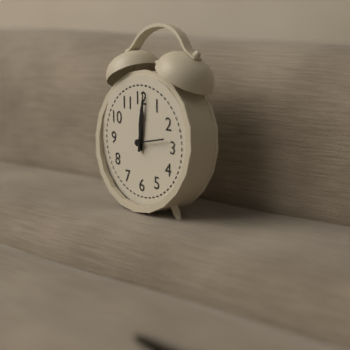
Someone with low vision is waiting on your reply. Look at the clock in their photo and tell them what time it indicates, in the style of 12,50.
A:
12,01
